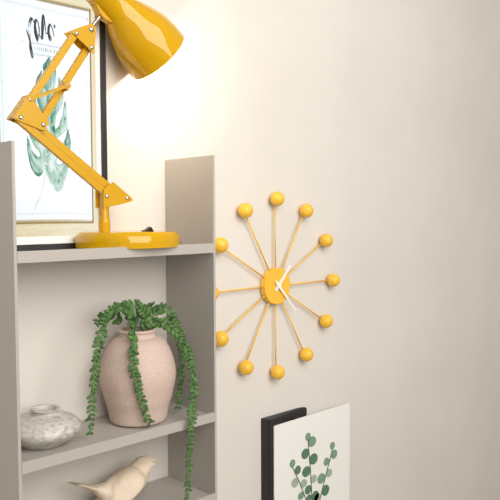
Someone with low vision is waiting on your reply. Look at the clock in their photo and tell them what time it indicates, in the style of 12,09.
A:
1,23
